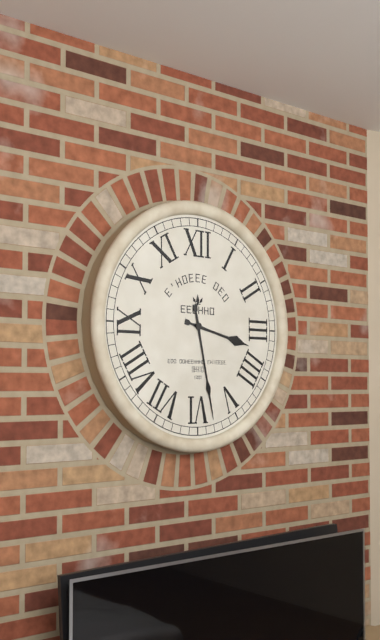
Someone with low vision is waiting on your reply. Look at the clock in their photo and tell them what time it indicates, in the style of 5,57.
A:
3,28
